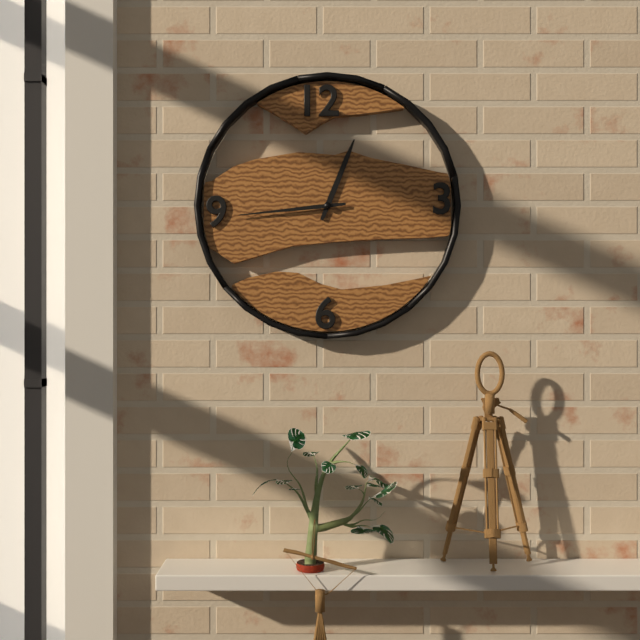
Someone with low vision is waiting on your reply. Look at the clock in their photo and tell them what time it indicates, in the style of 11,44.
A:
12,44
